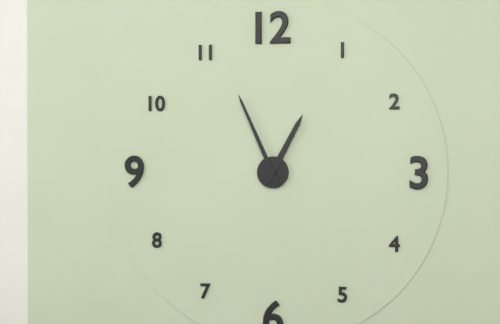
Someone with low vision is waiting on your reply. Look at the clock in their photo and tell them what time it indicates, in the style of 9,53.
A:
12,56
